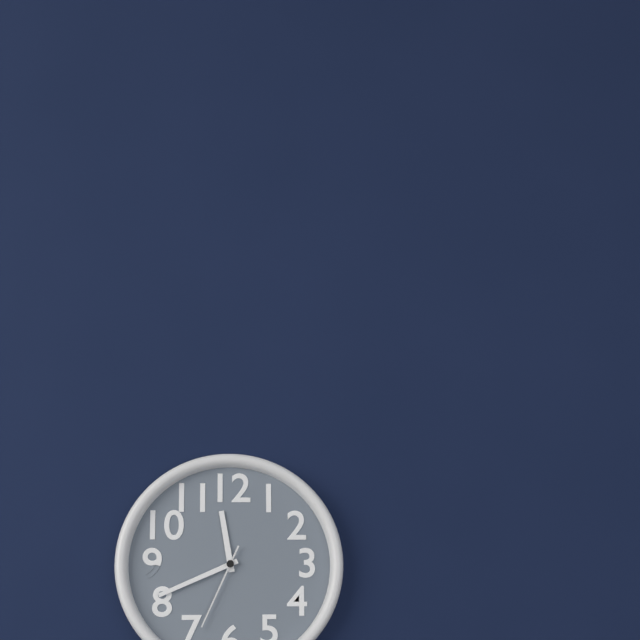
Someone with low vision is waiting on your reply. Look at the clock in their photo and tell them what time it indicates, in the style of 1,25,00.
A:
11,41,34
